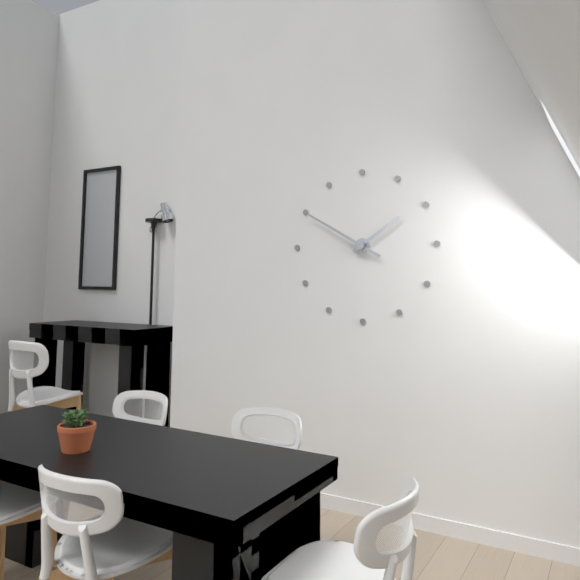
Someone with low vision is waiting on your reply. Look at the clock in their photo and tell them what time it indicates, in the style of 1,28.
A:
1,50
